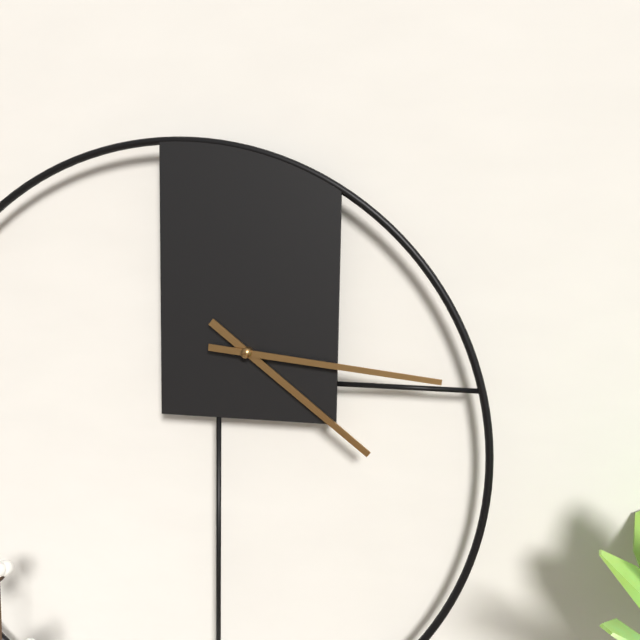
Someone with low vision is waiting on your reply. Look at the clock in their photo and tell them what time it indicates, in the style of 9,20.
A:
4,16
